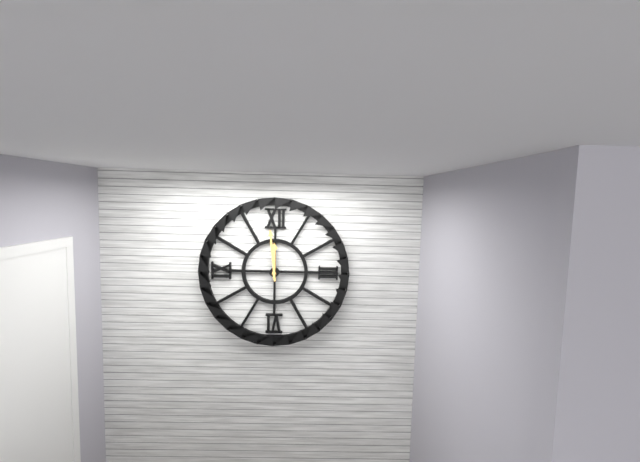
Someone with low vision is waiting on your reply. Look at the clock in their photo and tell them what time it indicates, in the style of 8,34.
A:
11,59
